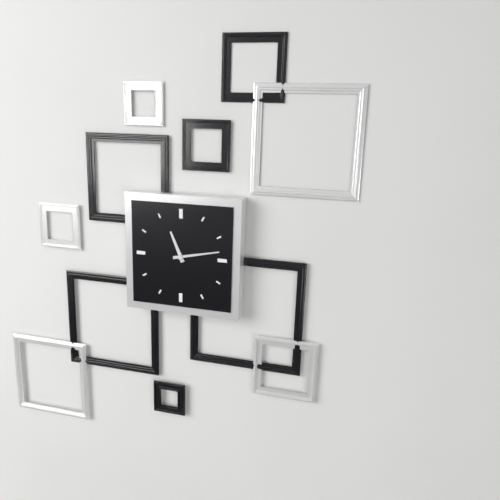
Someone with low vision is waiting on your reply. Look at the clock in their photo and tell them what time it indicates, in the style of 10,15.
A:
11,13
